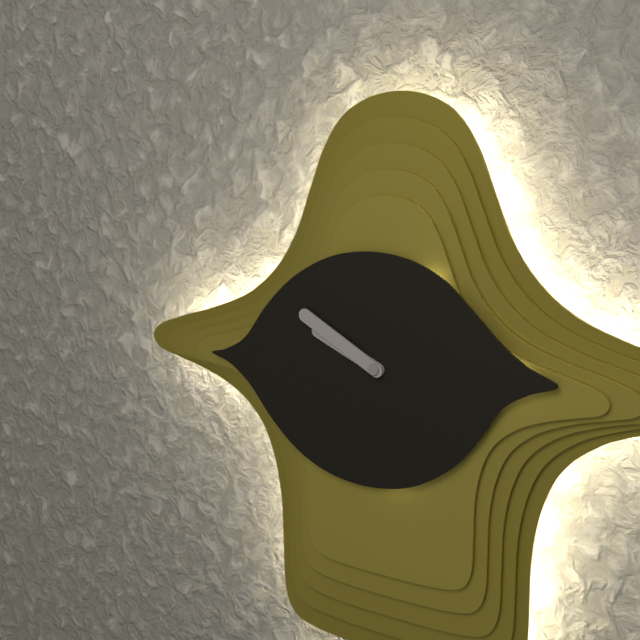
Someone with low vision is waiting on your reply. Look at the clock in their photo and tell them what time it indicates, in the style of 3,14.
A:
9,50
